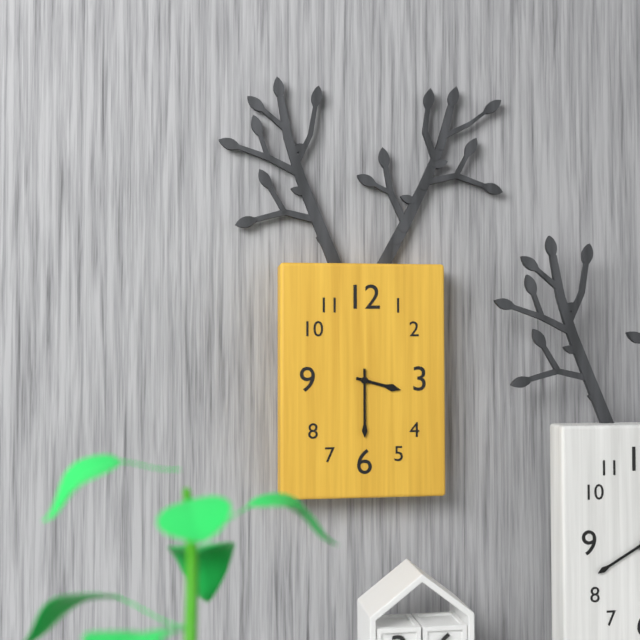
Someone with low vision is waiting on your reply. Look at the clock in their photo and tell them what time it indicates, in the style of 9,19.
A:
3,30
